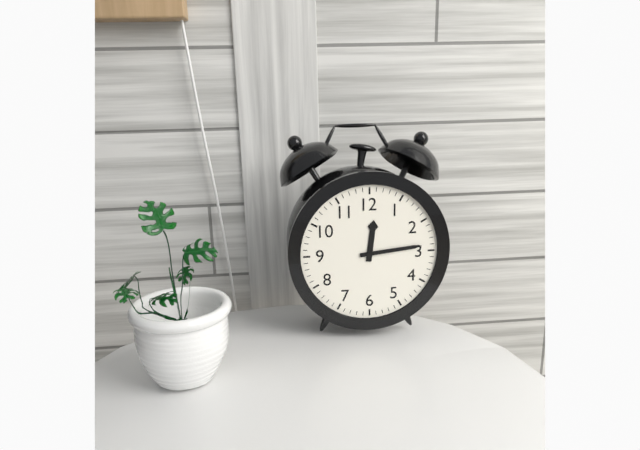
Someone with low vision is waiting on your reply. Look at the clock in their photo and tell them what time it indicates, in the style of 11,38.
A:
12,14
